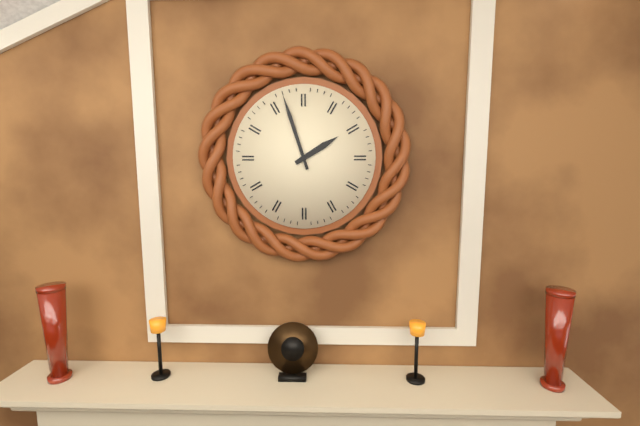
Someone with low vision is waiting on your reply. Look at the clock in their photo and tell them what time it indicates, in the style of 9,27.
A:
1,57
